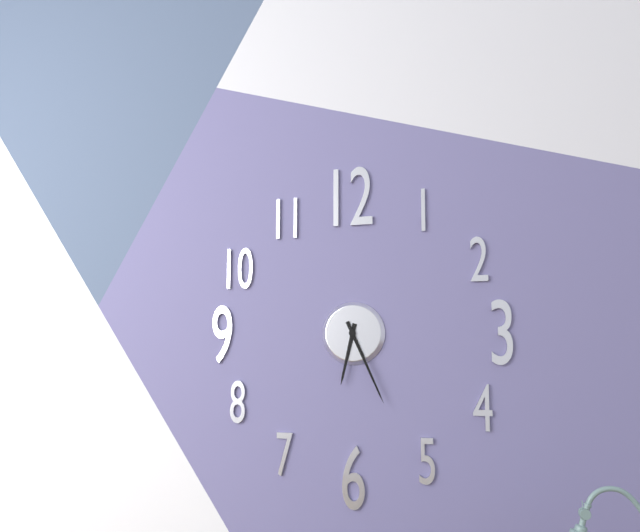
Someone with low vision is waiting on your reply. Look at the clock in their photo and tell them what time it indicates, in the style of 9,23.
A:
6,26
